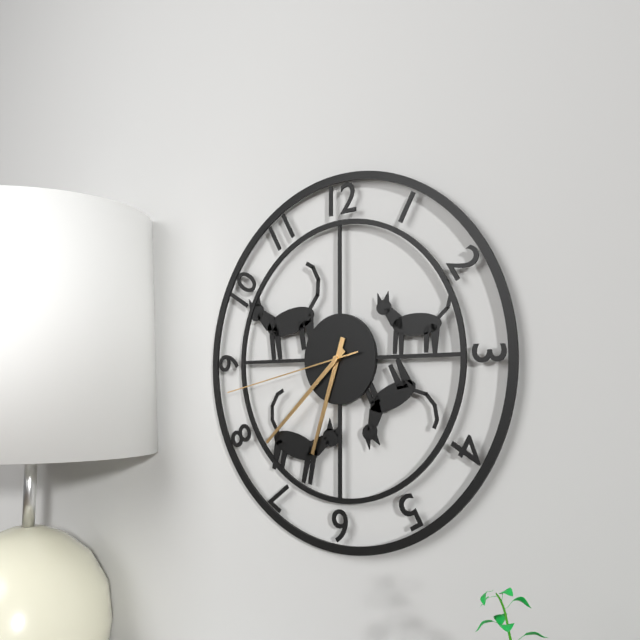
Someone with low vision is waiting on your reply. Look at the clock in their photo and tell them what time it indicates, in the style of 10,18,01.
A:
6,38,43
